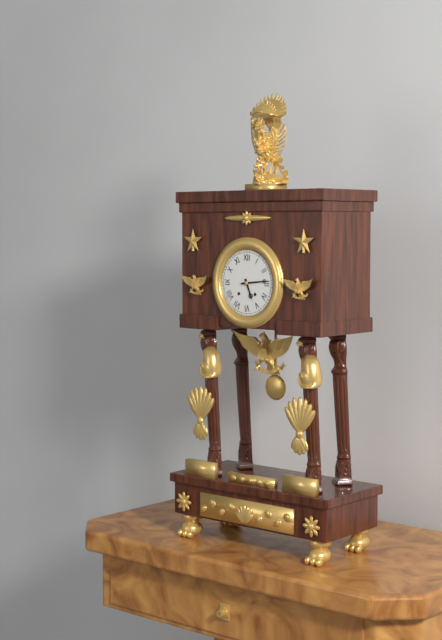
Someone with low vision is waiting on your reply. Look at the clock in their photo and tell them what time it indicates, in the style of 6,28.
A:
5,14
